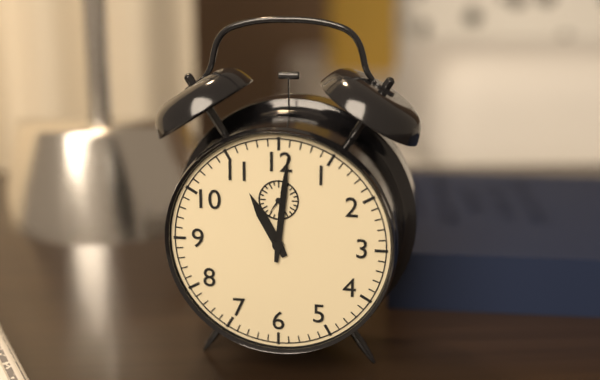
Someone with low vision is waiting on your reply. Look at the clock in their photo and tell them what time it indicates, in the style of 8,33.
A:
11,01
